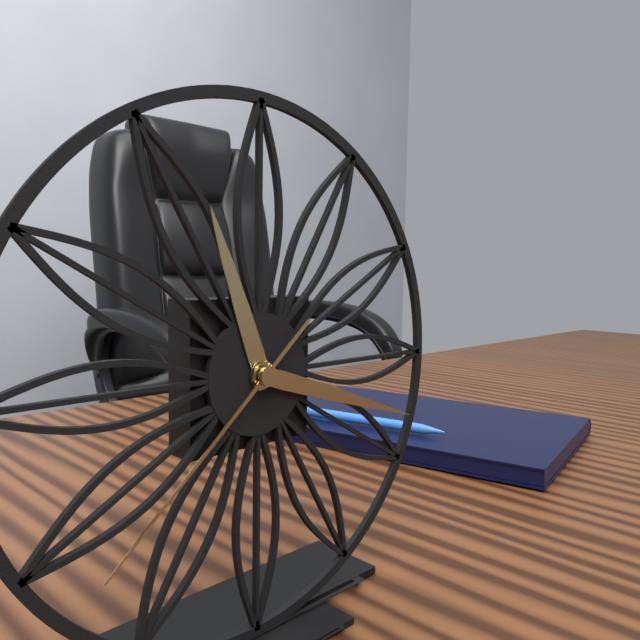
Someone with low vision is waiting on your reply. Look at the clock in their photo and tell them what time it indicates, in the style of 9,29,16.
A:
11,18,38
